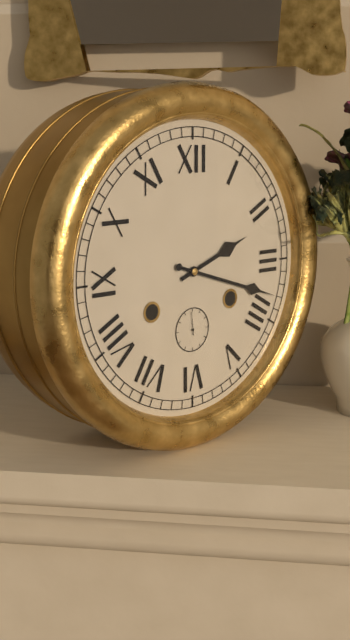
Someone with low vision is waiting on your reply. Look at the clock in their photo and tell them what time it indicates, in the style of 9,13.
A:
2,18
